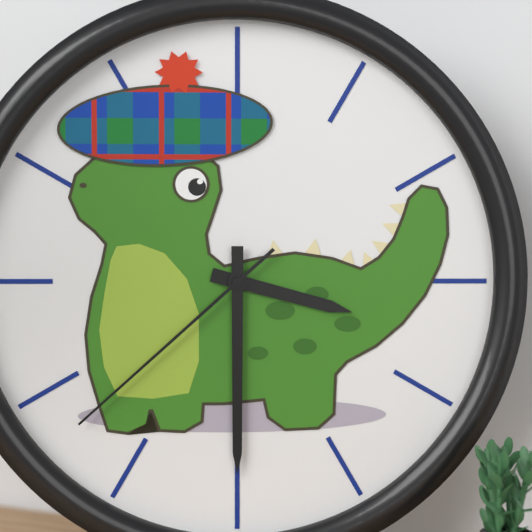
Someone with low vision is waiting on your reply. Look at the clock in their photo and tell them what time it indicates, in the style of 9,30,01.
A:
3,30,38
